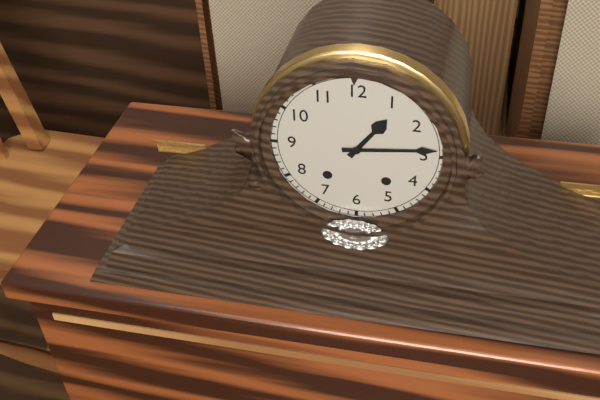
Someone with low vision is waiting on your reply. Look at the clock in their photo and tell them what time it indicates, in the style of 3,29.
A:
1,14
